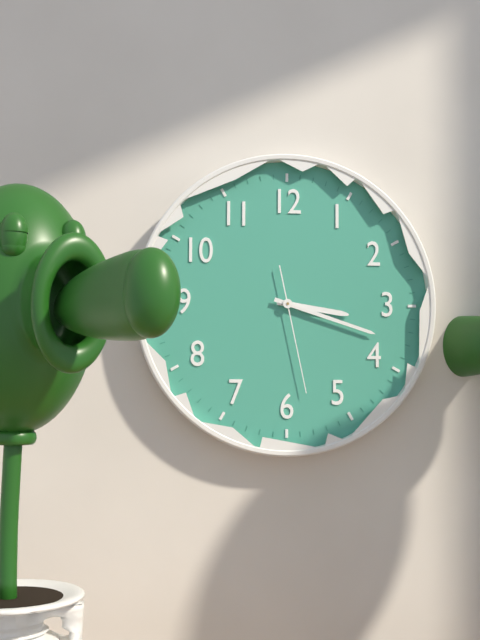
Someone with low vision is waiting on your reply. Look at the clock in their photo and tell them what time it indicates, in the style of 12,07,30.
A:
3,18,28
